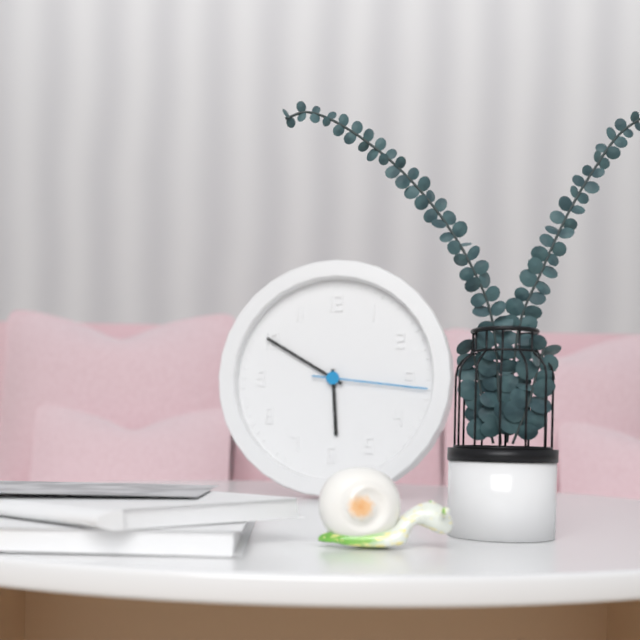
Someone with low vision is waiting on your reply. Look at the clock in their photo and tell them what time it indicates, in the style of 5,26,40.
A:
5,50,16
